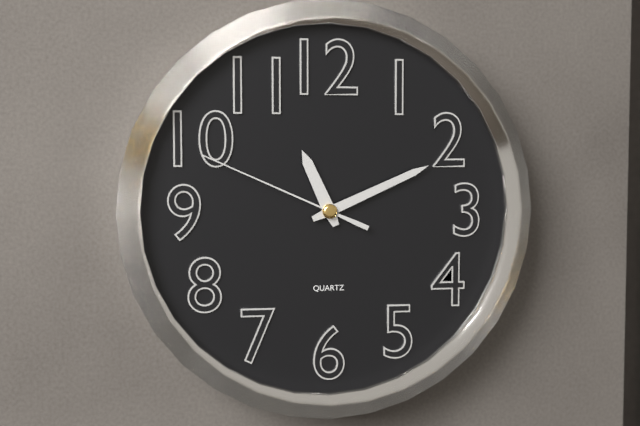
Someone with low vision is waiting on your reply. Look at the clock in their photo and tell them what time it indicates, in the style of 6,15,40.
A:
11,11,49
